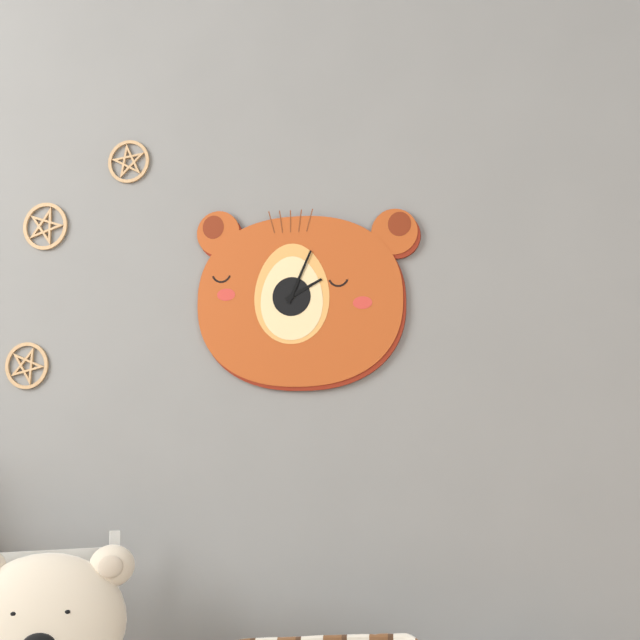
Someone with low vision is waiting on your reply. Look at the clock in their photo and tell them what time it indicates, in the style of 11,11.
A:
2,04
